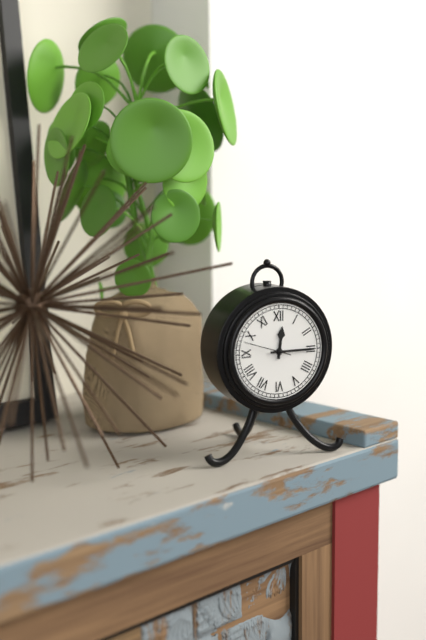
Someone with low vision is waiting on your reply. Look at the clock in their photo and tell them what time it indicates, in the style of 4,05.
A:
12,15
